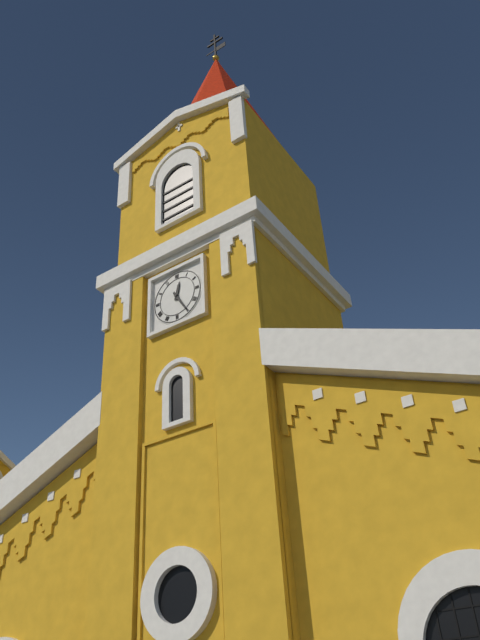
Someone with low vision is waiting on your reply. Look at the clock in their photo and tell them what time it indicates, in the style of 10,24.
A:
12,25
